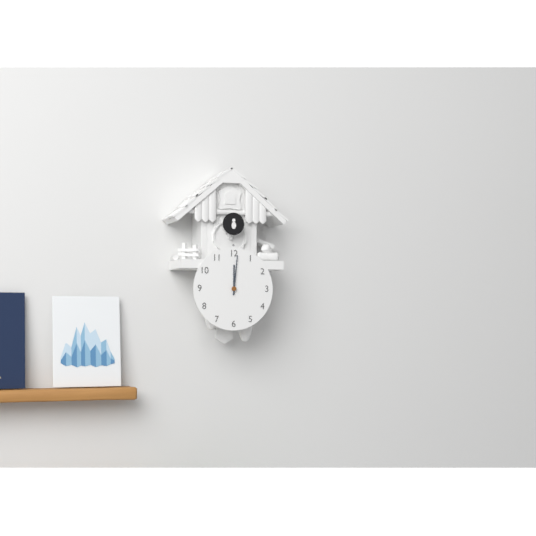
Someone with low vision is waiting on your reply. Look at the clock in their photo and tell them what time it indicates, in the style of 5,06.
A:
12,01
